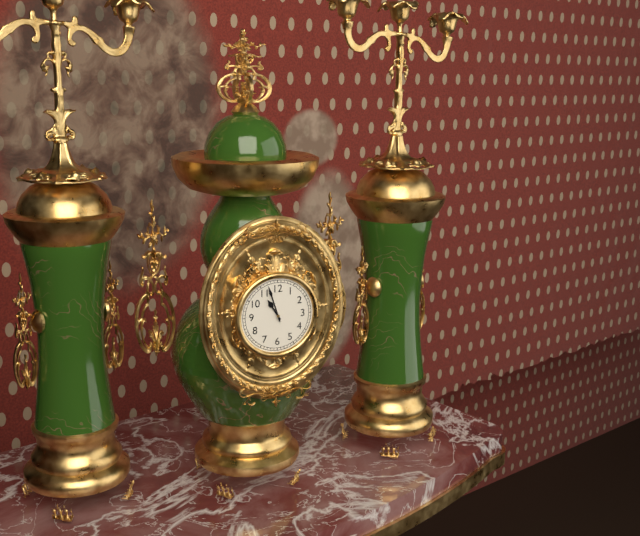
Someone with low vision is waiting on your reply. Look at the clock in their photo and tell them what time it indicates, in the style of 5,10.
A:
10,57
